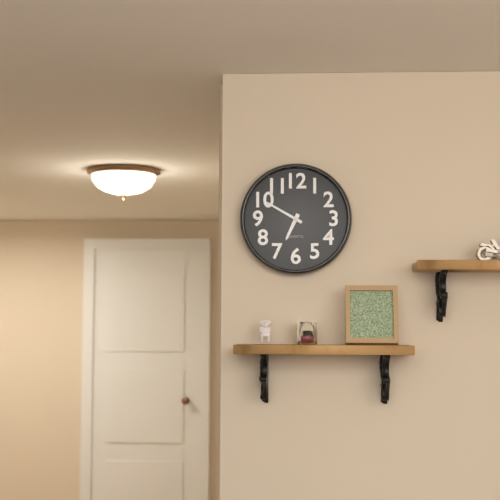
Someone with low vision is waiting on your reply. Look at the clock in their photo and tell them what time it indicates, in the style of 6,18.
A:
6,50
